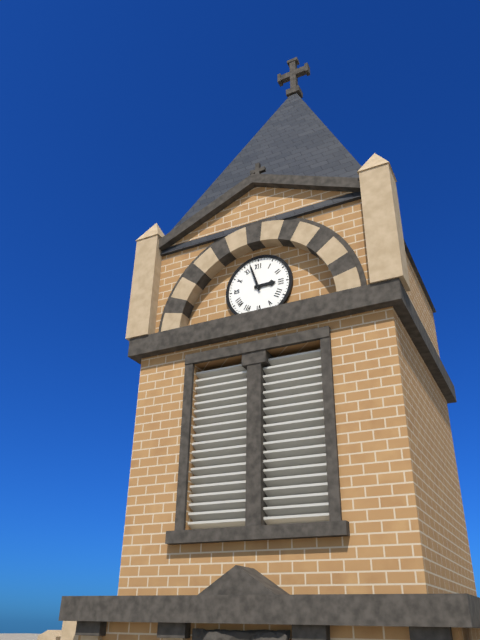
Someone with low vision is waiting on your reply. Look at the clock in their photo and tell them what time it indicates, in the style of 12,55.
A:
2,57
